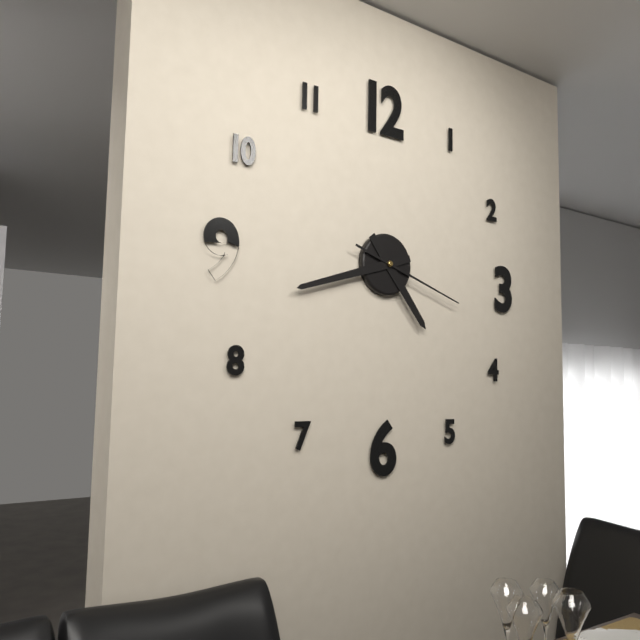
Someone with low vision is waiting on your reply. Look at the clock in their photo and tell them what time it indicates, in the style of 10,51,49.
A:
4,42,18
